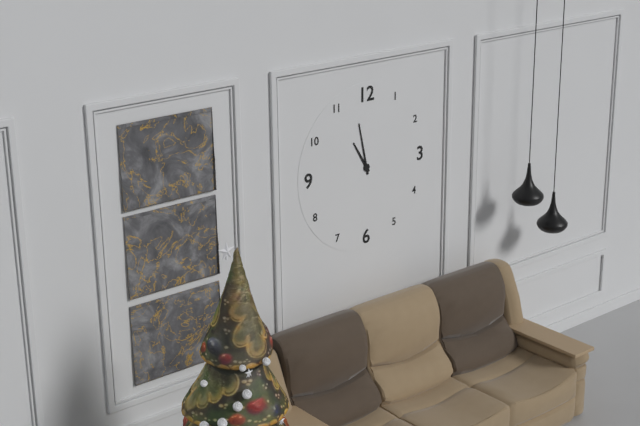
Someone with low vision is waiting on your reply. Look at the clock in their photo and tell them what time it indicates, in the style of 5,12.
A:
10,58
